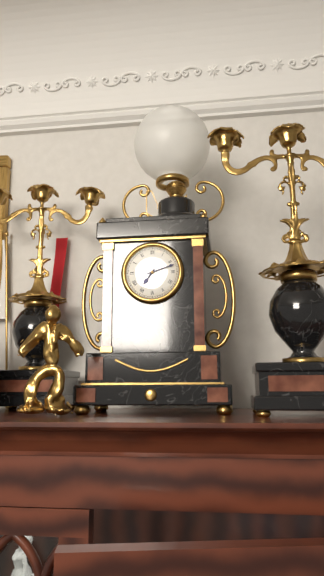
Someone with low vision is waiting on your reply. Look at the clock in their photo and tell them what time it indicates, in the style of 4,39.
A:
7,12
